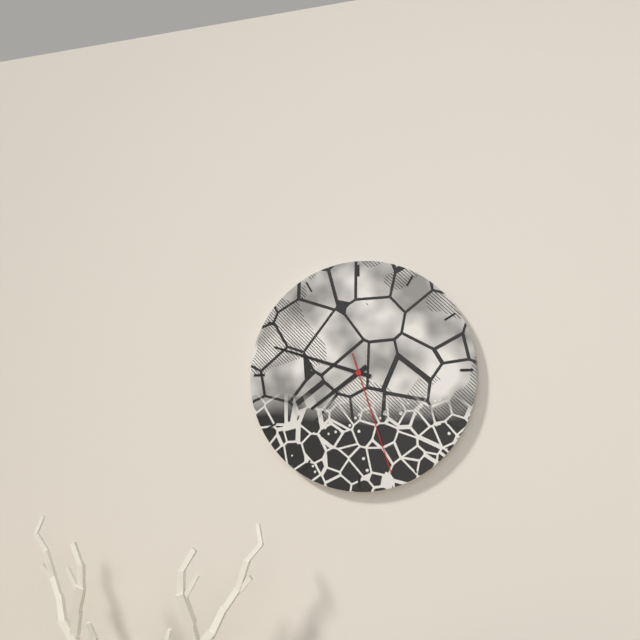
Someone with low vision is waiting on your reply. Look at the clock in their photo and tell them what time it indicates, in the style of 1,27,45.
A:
7,48,27
